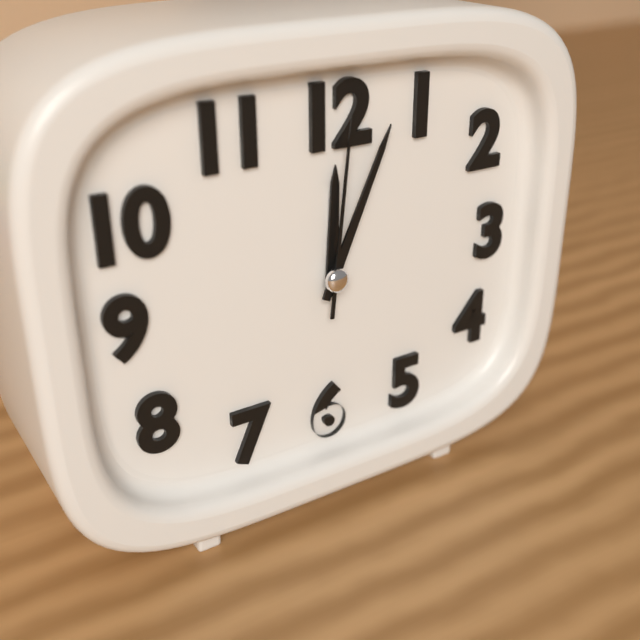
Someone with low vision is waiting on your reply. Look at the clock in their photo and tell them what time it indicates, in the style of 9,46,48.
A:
12,04,01
